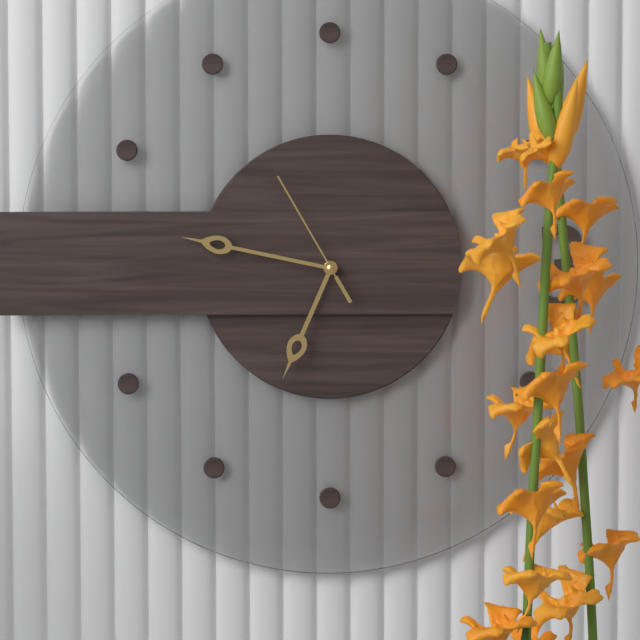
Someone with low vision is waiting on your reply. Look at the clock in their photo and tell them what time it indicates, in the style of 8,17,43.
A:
6,47,55
